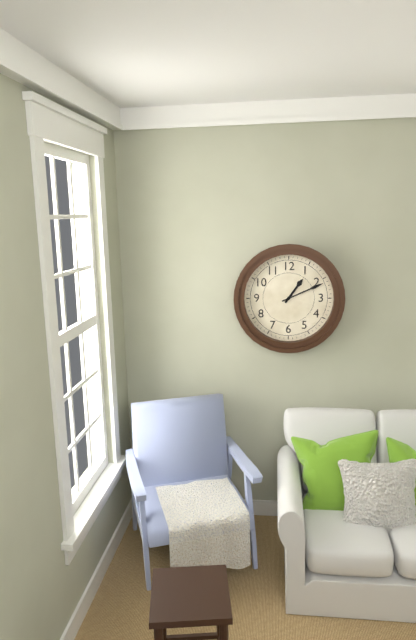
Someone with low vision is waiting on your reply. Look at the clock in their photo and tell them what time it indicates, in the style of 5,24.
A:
1,11
